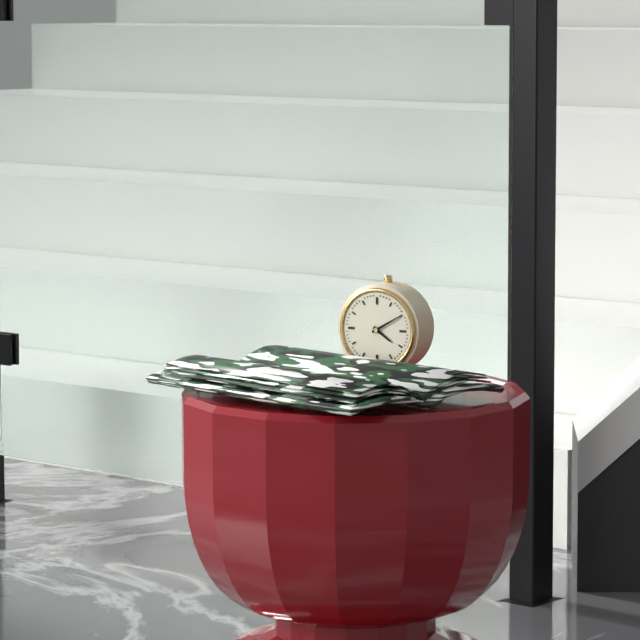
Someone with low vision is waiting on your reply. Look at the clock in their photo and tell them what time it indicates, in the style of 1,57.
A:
4,10
